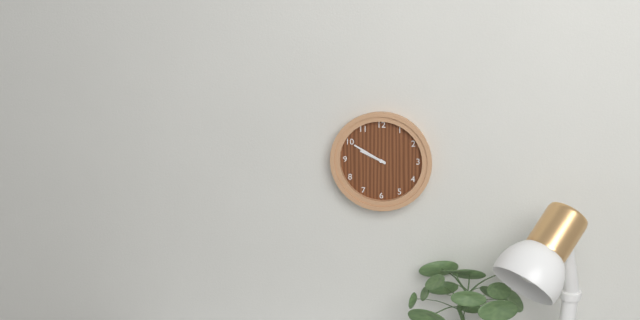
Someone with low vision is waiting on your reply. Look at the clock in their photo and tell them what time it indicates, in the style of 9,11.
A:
9,50
